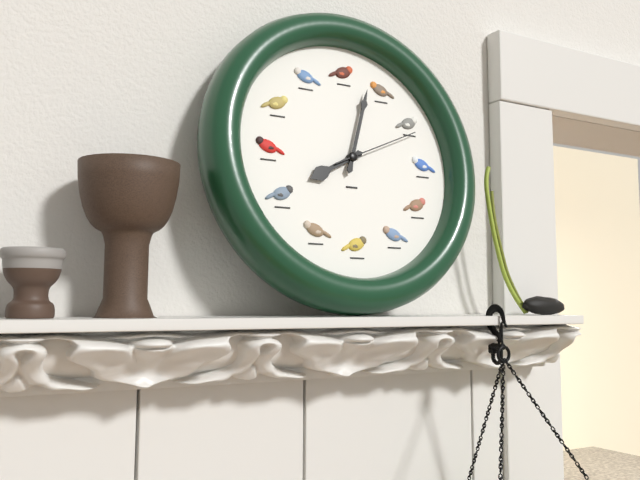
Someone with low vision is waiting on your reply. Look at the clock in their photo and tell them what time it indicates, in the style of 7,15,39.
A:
8,03,11
